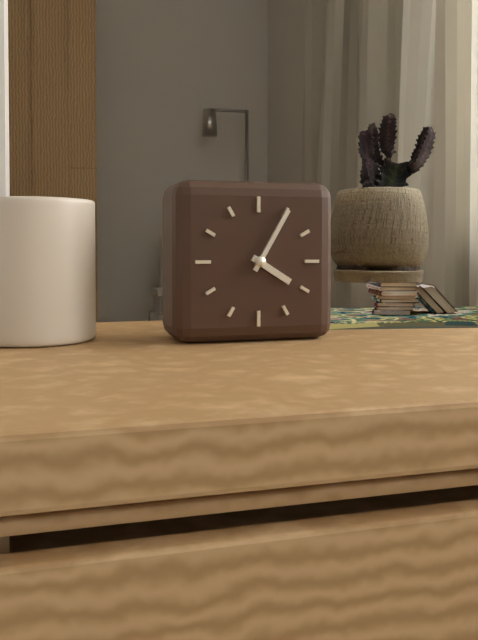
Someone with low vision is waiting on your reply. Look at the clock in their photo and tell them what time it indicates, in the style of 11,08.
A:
4,05
